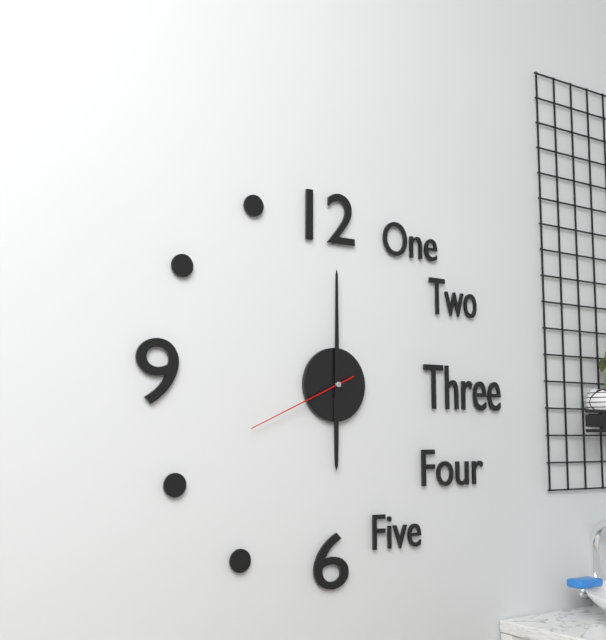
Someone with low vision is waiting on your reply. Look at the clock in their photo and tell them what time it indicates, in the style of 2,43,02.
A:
6,00,41
